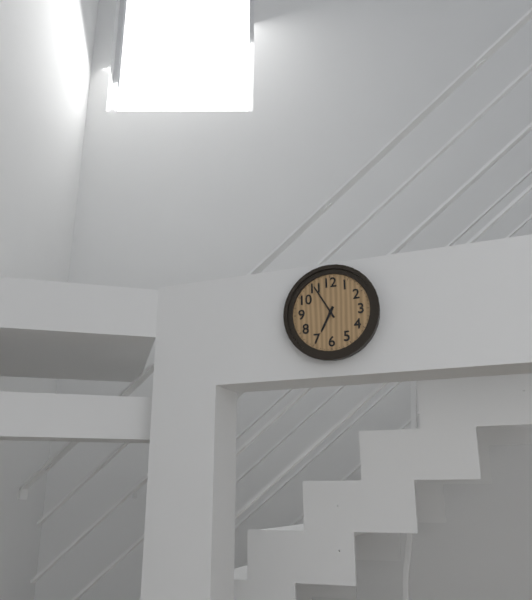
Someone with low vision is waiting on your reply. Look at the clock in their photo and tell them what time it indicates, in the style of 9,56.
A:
6,55
